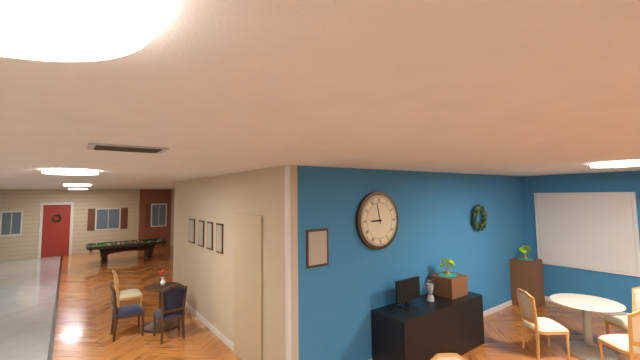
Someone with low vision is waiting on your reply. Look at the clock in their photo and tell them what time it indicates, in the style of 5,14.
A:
8,58
